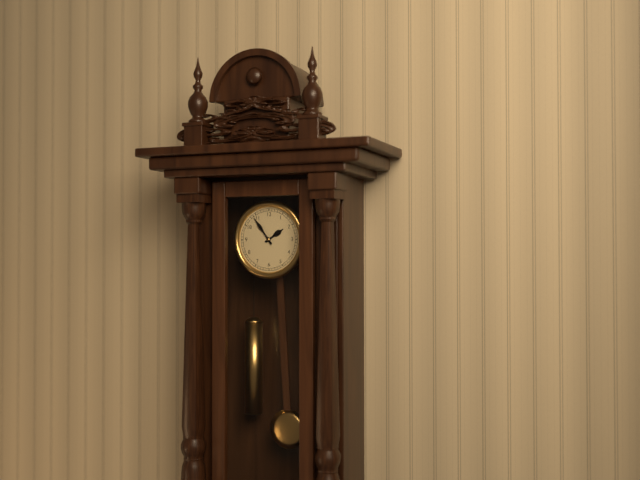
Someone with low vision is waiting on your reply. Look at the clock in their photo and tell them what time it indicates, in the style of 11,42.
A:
1,54
